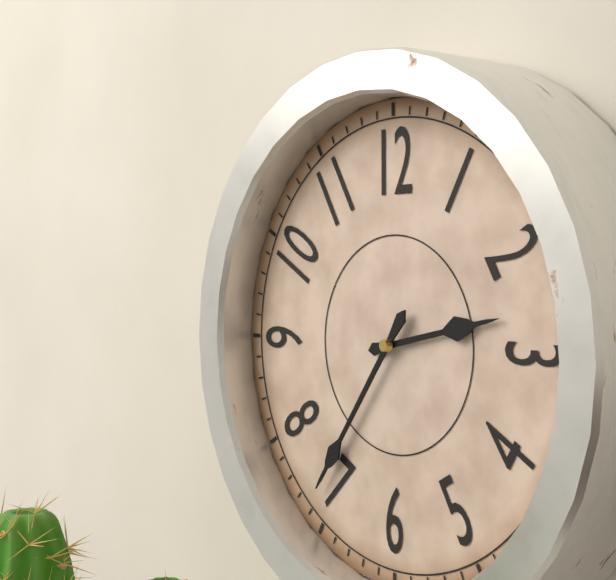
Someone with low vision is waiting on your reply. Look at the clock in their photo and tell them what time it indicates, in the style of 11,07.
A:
2,36
